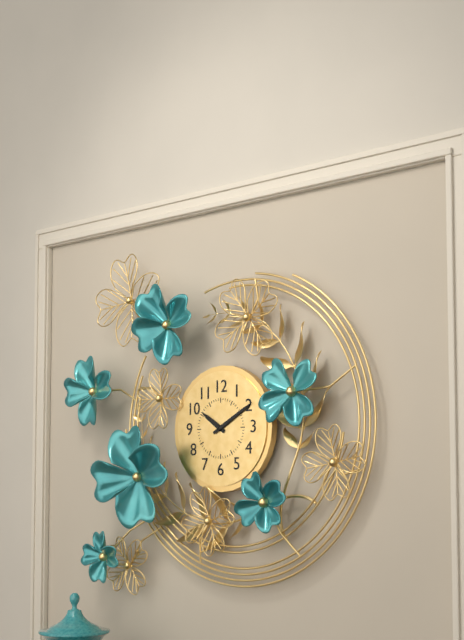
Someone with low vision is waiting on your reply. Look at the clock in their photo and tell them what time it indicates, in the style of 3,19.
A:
10,10
